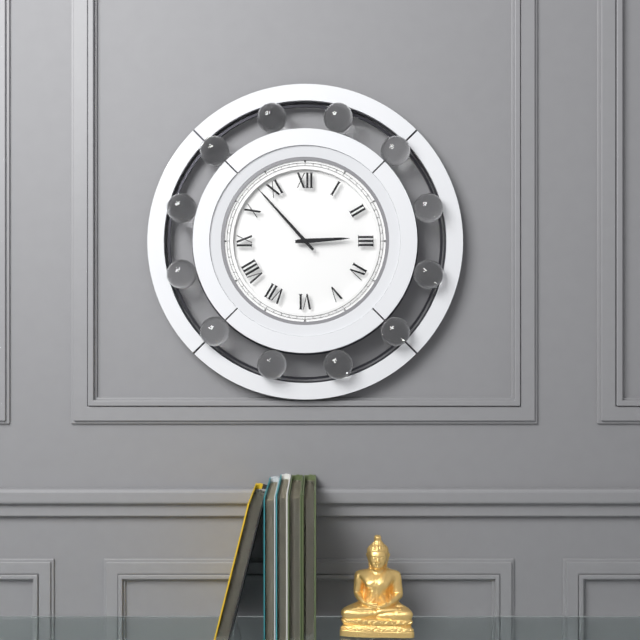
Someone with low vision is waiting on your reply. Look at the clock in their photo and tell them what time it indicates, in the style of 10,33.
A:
2,53
